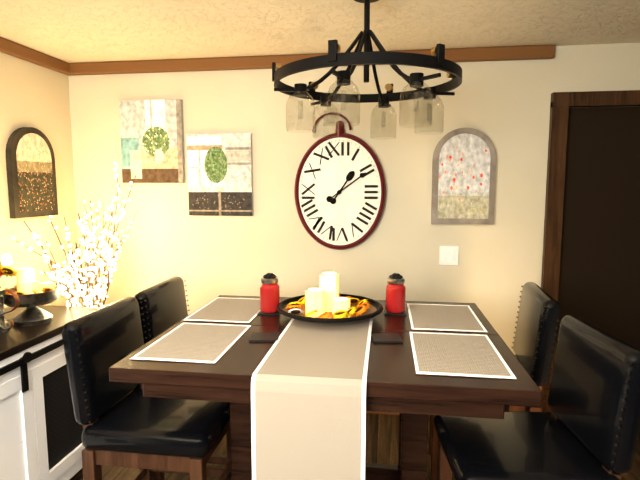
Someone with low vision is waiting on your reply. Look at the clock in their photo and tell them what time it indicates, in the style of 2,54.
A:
1,09
